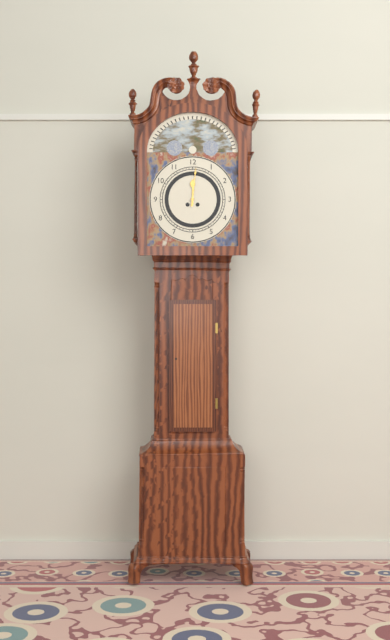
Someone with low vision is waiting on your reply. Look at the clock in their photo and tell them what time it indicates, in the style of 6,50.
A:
12,01
